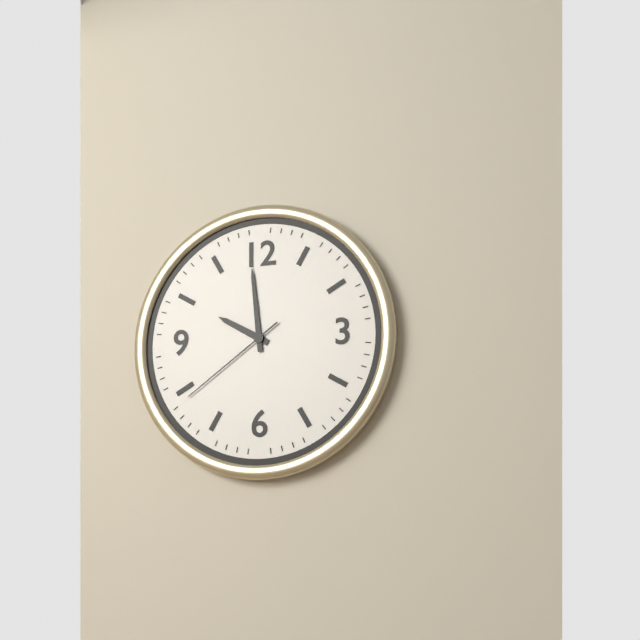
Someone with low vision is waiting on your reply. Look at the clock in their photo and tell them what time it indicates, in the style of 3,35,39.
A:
9,59,39
